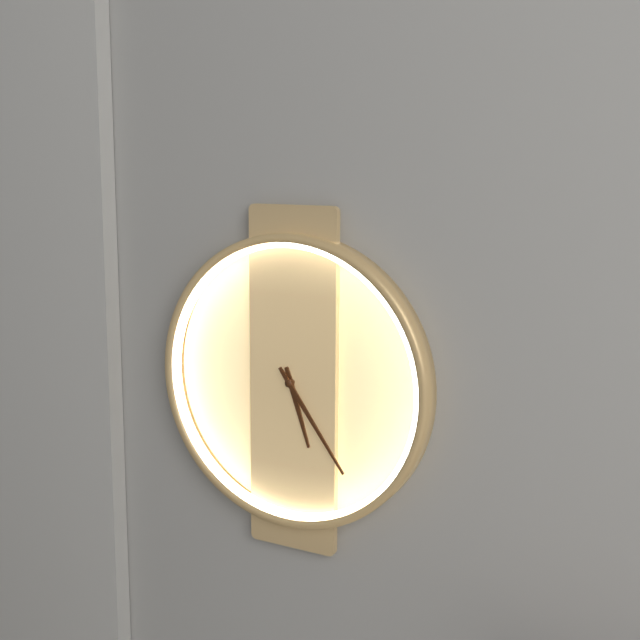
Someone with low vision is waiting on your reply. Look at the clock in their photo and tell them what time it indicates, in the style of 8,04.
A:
5,24
